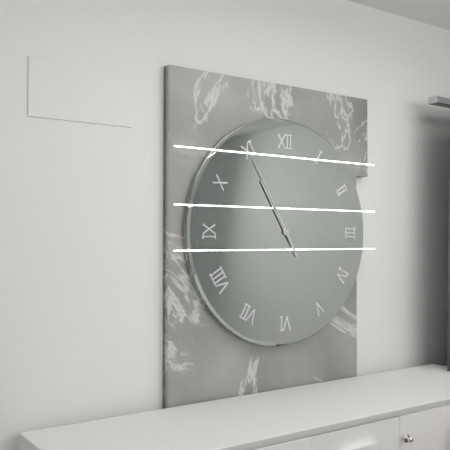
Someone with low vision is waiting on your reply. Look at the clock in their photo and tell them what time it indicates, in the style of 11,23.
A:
10,55
